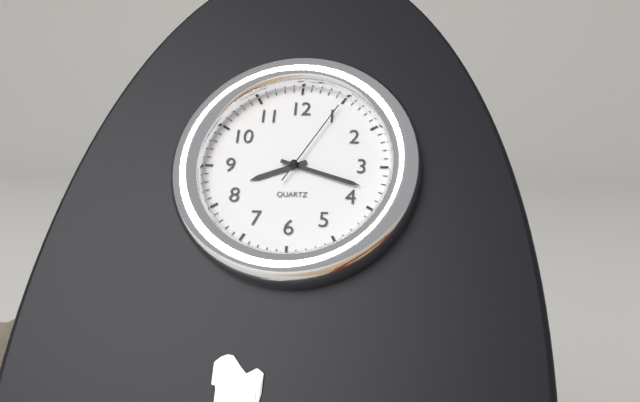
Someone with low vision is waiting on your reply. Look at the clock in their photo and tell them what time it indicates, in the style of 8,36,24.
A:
8,18,05
